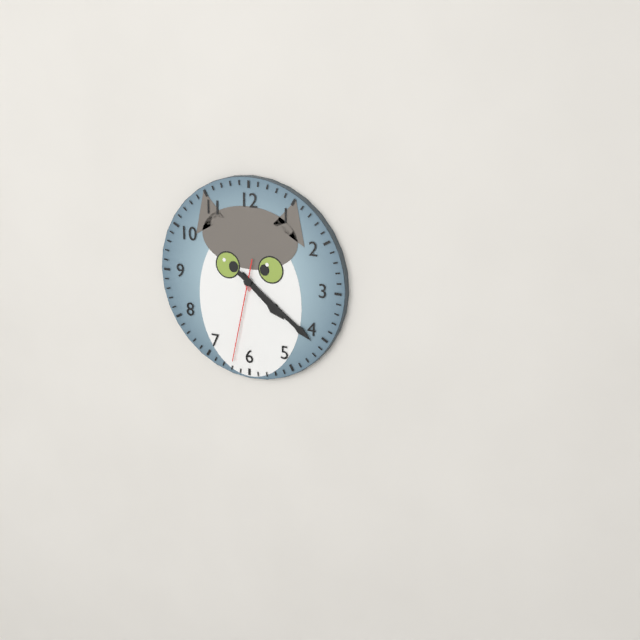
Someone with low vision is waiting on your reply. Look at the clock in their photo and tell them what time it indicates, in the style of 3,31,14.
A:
4,21,32
